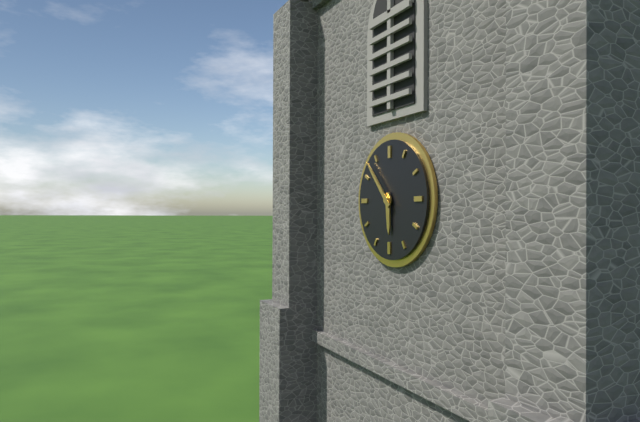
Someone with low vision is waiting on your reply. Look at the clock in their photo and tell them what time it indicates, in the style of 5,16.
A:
5,53
